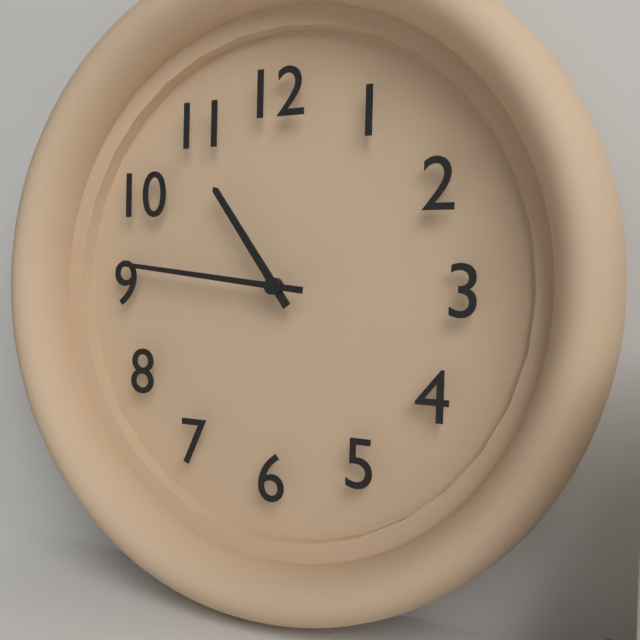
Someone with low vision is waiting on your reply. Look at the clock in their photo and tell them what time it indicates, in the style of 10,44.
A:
10,46
